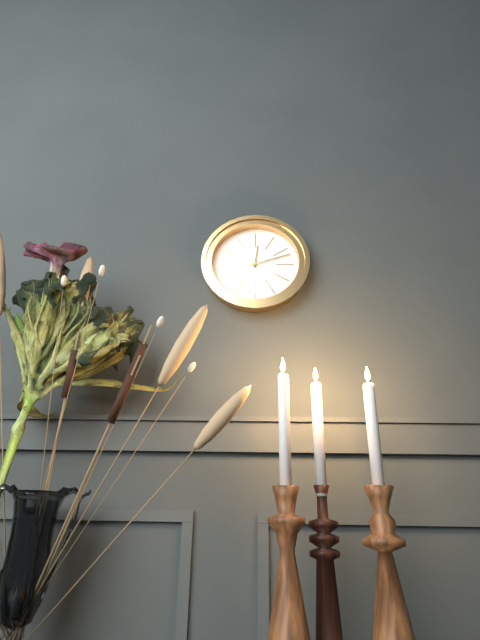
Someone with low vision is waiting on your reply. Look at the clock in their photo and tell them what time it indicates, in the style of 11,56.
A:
12,12
